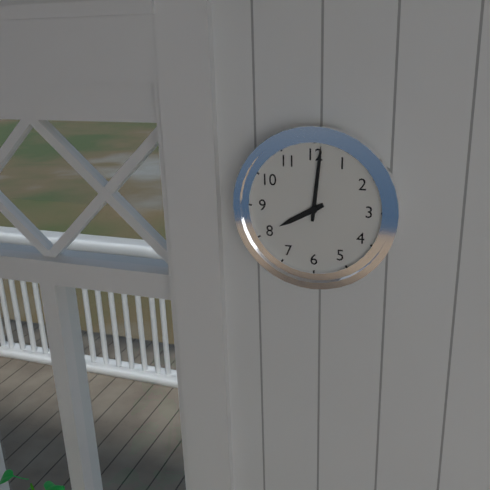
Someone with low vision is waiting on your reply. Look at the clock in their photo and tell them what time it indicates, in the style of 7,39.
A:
8,01
